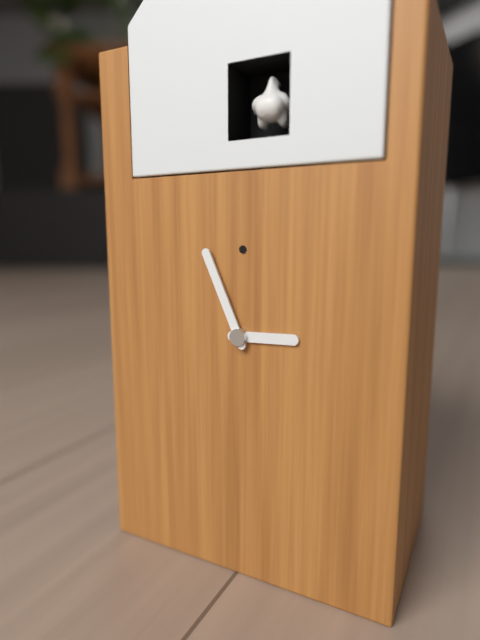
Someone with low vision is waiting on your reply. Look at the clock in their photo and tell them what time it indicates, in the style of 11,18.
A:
2,56
